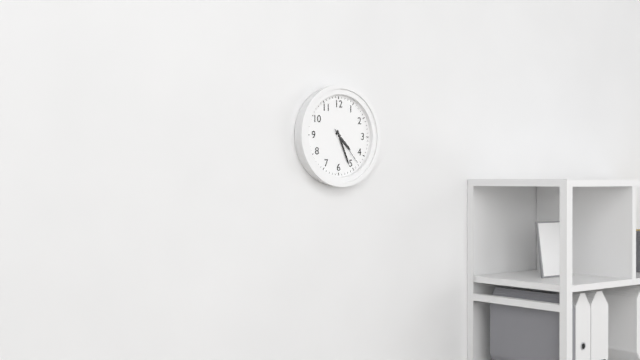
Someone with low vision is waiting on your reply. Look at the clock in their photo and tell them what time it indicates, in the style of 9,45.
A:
4,26
